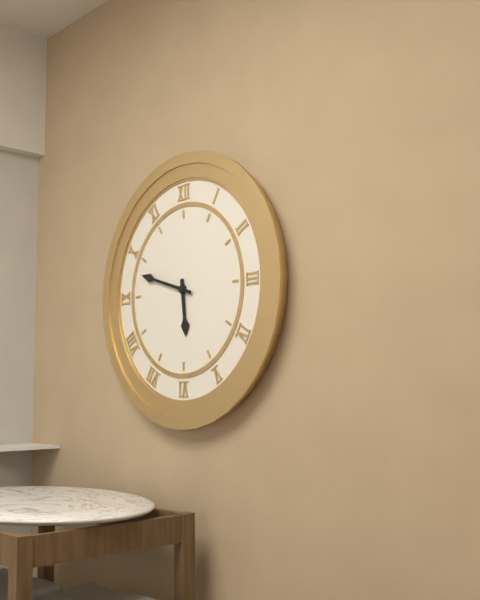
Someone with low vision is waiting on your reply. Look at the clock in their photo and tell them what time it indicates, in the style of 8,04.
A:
5,48
